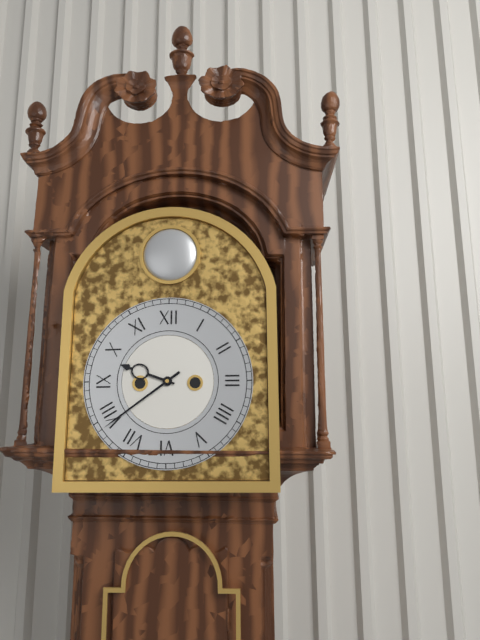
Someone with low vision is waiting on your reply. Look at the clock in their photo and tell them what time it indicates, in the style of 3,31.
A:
9,39
